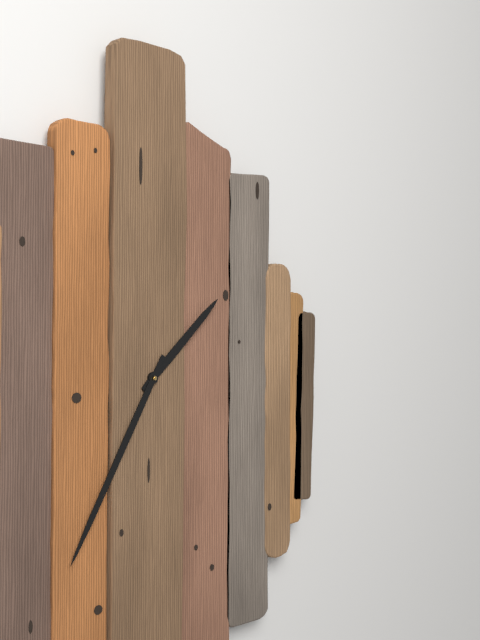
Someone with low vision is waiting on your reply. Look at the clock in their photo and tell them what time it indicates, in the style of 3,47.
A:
1,35
